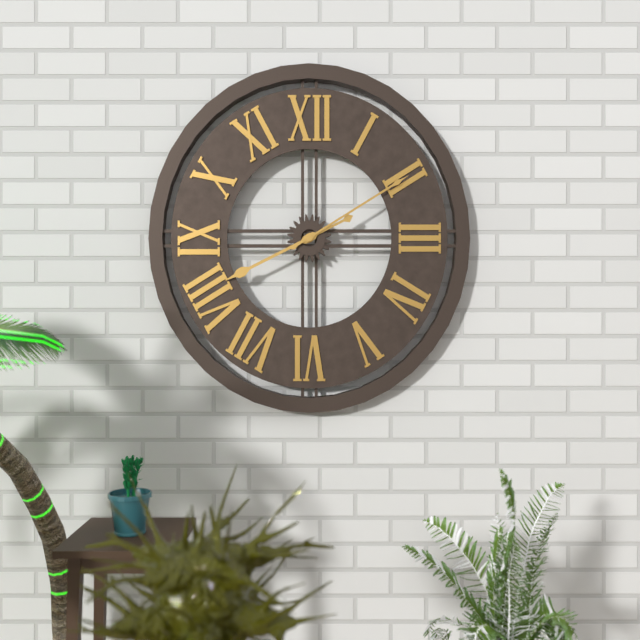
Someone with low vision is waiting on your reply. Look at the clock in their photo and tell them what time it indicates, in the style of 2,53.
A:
8,10
